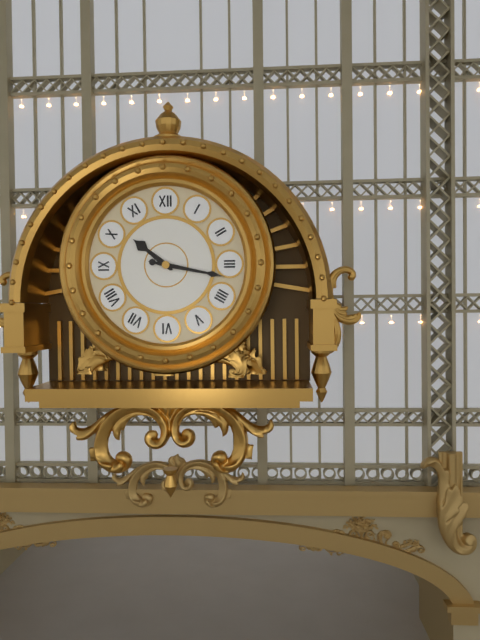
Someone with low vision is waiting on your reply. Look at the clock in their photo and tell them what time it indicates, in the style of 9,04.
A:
10,17
